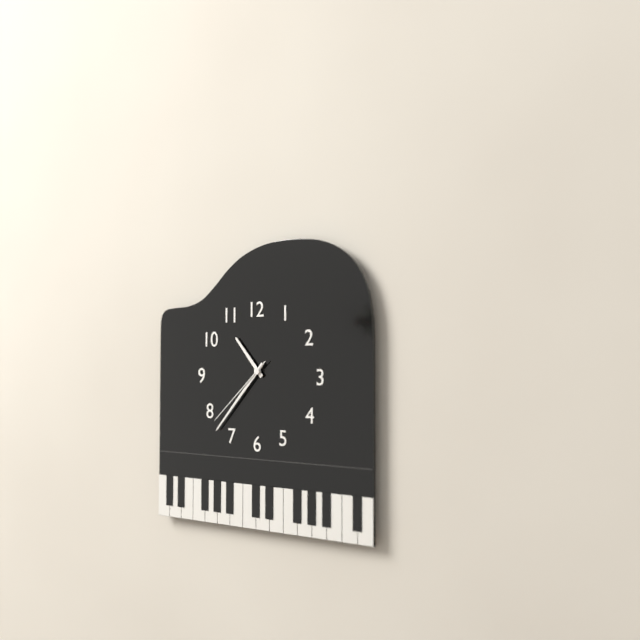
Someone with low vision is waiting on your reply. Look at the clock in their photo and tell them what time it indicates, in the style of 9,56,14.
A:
10,37,38
